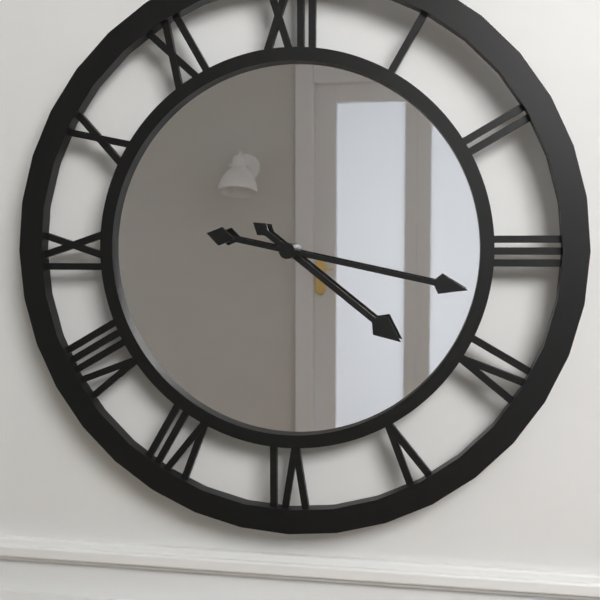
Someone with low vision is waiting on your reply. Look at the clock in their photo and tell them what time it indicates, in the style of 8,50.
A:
4,17
